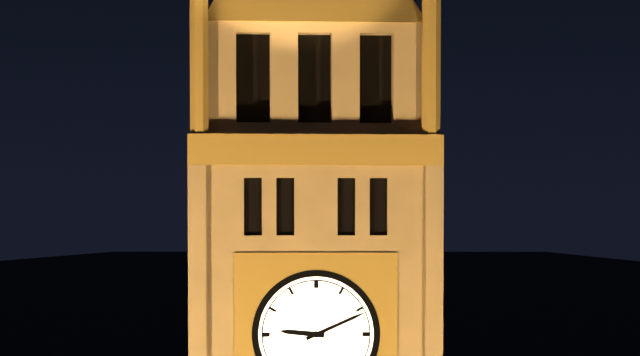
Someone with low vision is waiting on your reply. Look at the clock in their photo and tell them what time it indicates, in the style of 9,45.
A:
9,11
